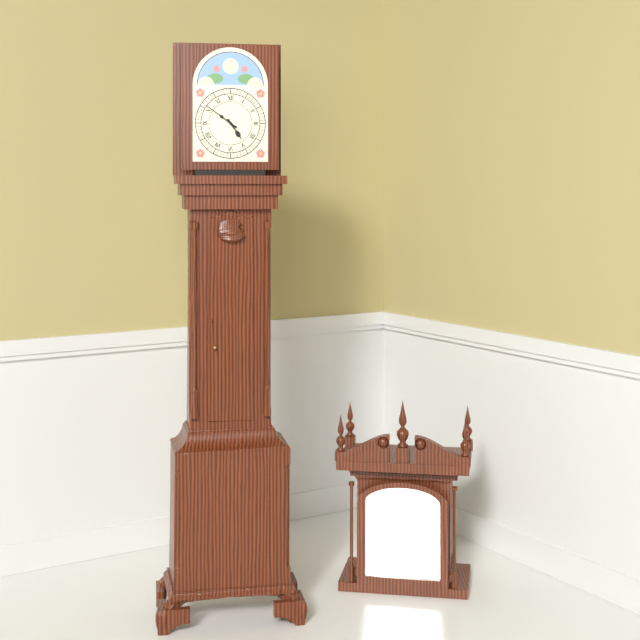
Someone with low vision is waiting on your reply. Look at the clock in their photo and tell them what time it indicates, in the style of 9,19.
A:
4,51
